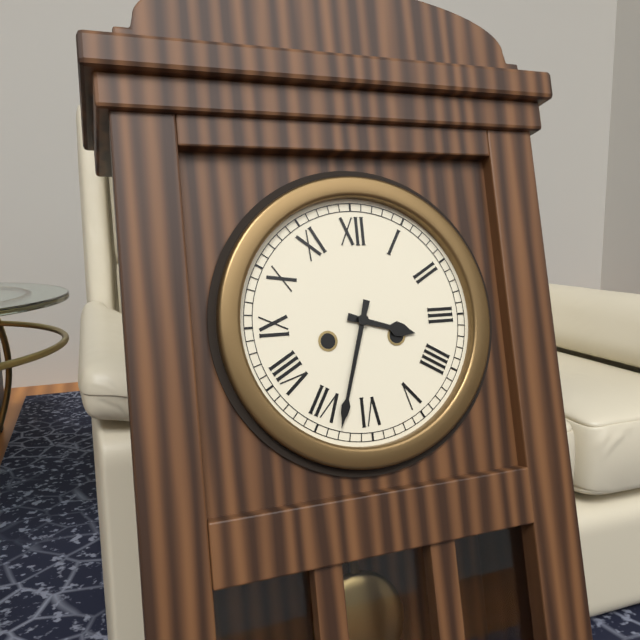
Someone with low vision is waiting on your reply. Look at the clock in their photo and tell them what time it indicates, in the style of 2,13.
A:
3,33
